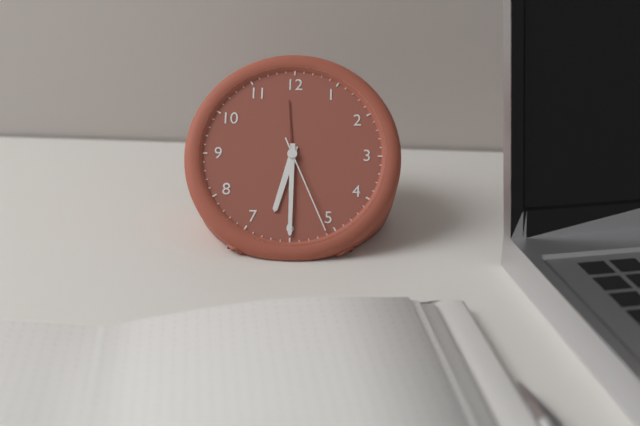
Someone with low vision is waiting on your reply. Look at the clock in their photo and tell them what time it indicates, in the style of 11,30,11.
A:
6,30,26
